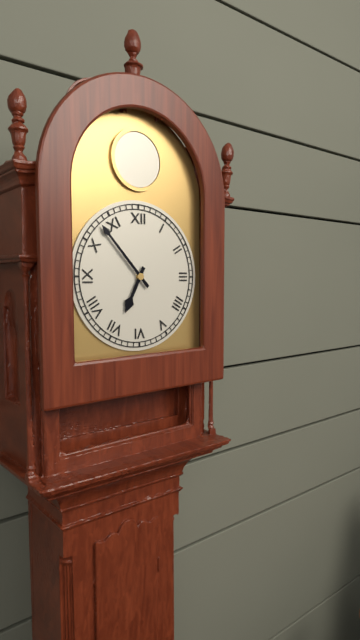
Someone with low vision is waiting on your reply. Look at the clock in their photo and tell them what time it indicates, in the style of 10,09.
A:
6,53
